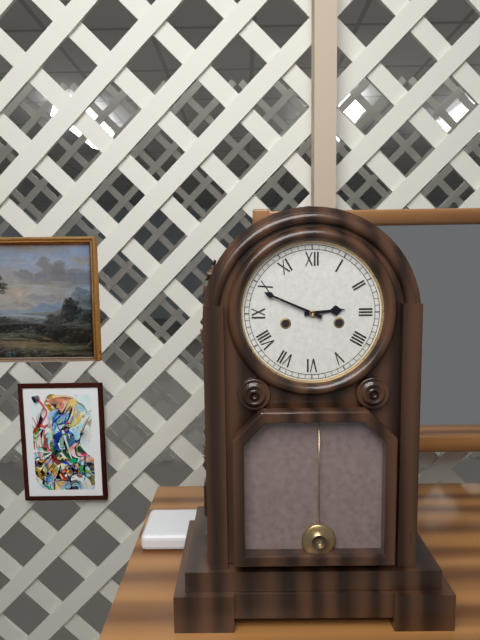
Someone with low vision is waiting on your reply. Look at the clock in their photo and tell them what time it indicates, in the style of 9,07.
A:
2,49
